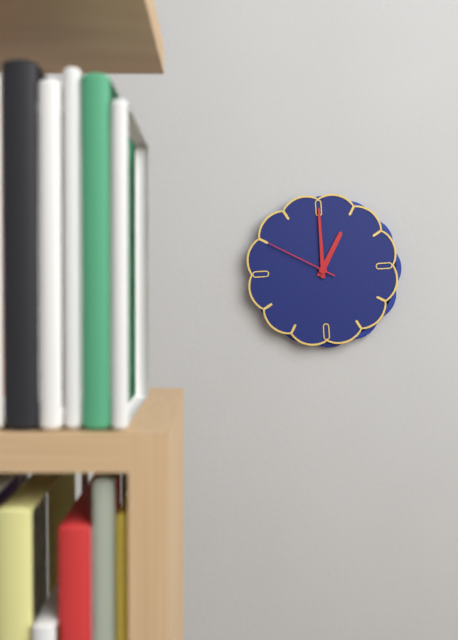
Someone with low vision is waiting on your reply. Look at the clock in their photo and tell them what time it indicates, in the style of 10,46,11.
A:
1,00,50
